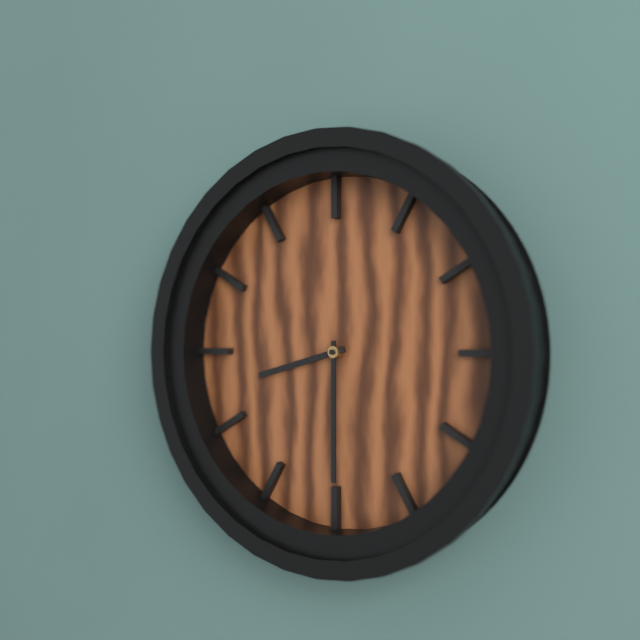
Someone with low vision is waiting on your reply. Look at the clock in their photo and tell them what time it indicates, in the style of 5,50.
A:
8,30
